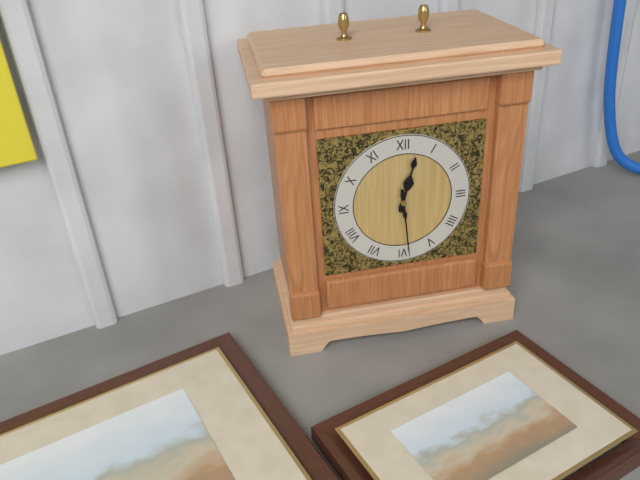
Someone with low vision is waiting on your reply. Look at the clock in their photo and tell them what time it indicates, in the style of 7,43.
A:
12,29
